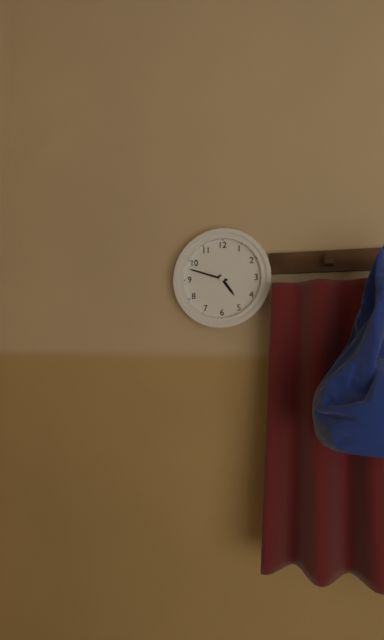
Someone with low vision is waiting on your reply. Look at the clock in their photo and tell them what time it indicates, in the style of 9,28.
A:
4,48
